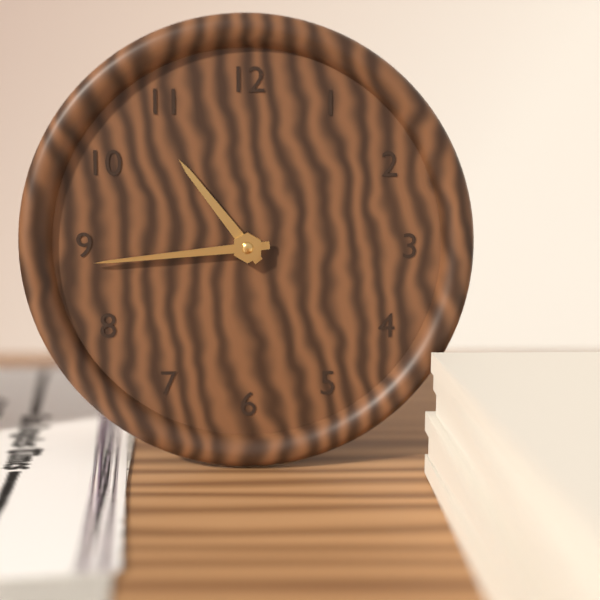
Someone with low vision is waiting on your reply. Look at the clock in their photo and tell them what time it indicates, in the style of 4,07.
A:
10,44
